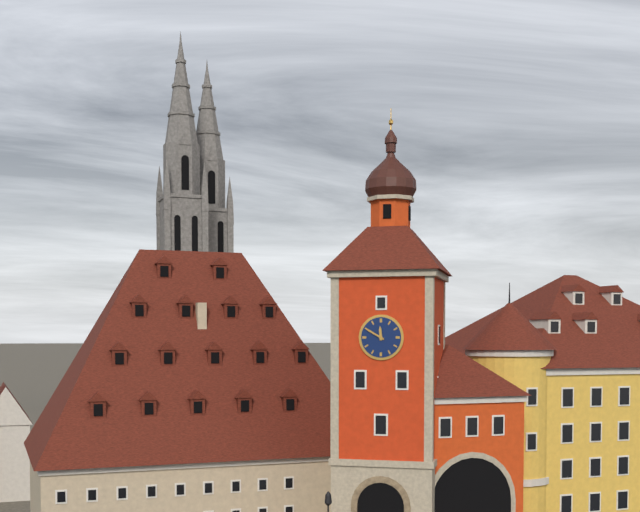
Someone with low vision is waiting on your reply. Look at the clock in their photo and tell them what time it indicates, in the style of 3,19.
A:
11,50
